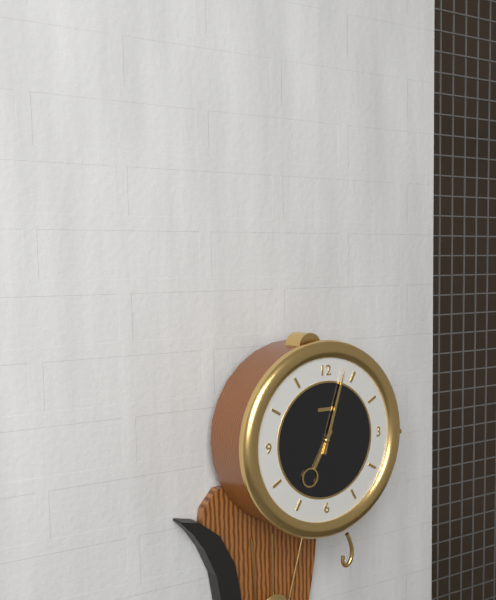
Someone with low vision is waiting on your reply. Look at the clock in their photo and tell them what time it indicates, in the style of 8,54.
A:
7,03
